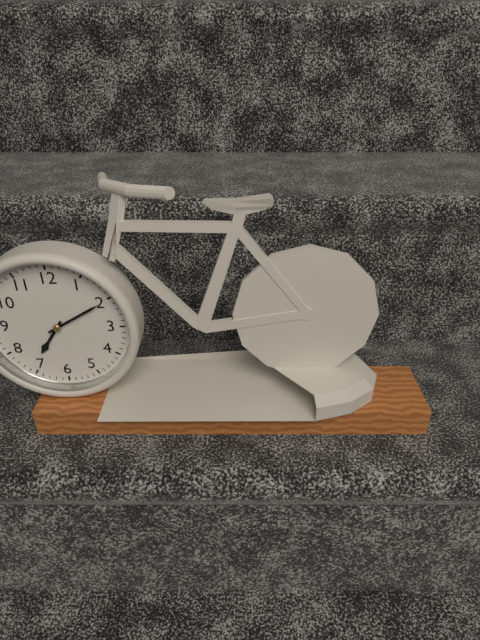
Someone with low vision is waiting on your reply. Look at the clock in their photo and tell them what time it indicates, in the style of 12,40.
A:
7,10
